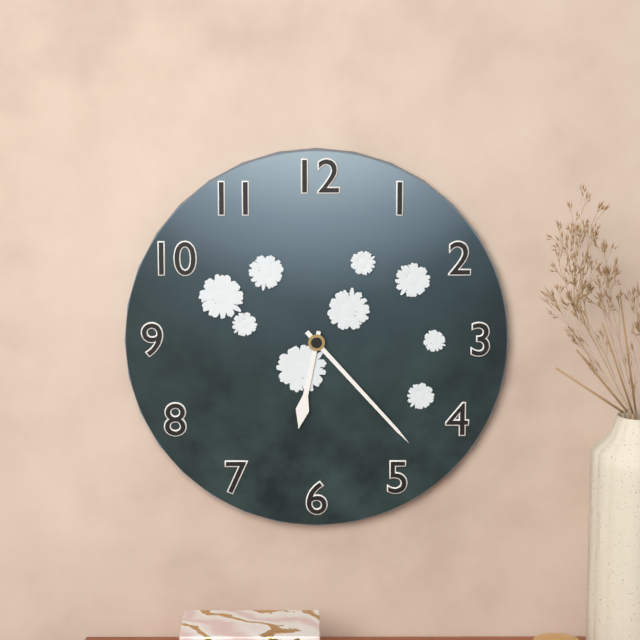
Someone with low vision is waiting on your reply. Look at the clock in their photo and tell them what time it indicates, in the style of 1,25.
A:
6,23
